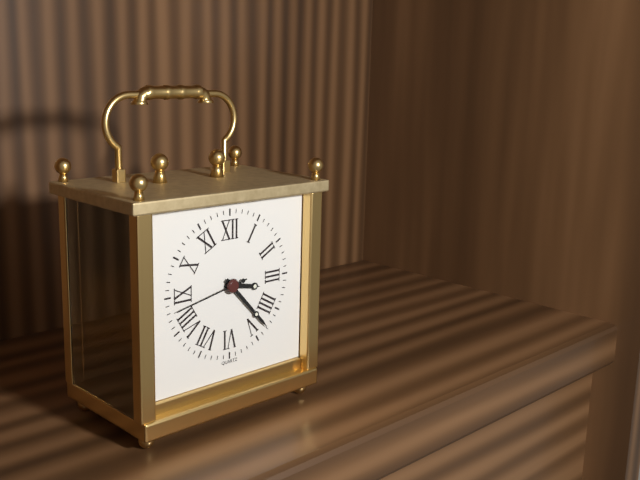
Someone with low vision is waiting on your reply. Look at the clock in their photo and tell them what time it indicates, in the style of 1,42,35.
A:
3,23,43
